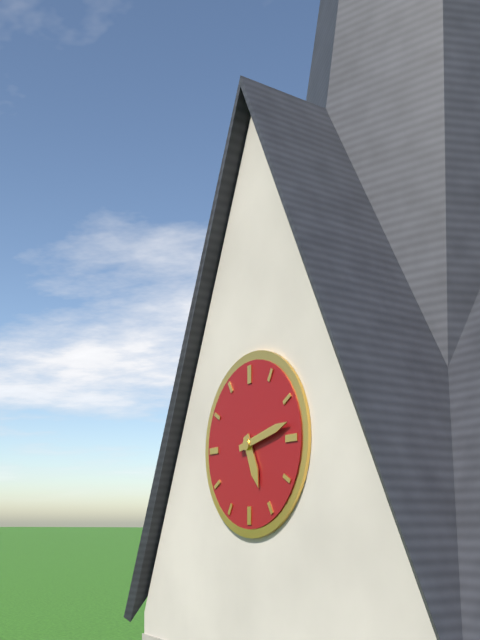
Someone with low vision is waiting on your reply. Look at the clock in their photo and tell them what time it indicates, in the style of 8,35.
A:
5,13
